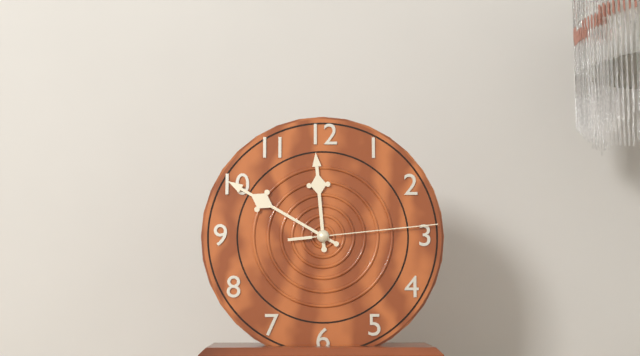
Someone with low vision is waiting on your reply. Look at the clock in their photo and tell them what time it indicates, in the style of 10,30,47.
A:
11,50,14
